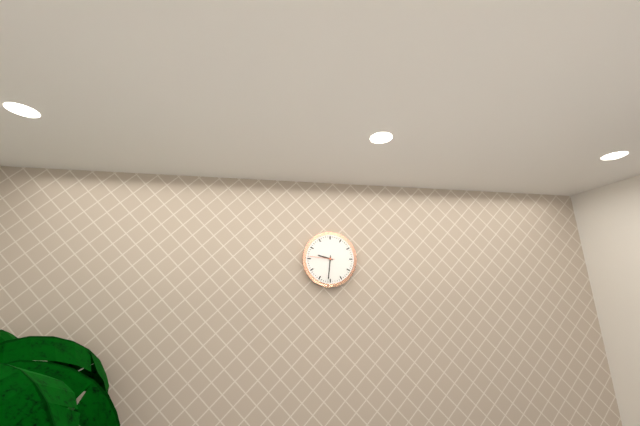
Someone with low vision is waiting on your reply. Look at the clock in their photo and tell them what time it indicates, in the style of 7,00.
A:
9,31
